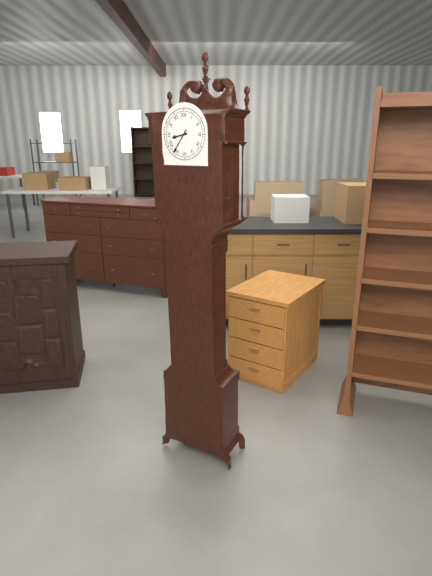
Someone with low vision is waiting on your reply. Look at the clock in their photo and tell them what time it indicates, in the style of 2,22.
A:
8,36
